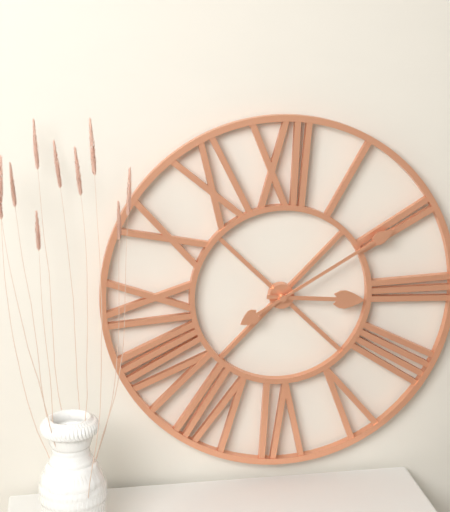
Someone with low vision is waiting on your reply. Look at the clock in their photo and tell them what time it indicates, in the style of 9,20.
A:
3,10
